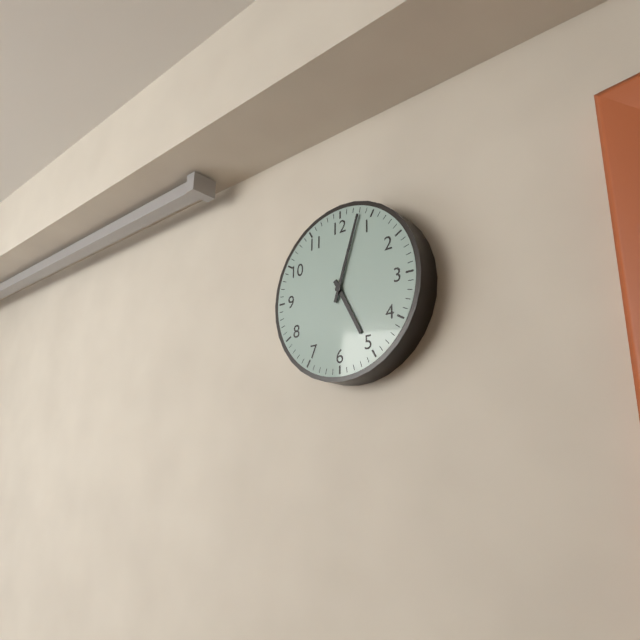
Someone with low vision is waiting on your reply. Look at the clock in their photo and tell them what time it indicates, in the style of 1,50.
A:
5,03
